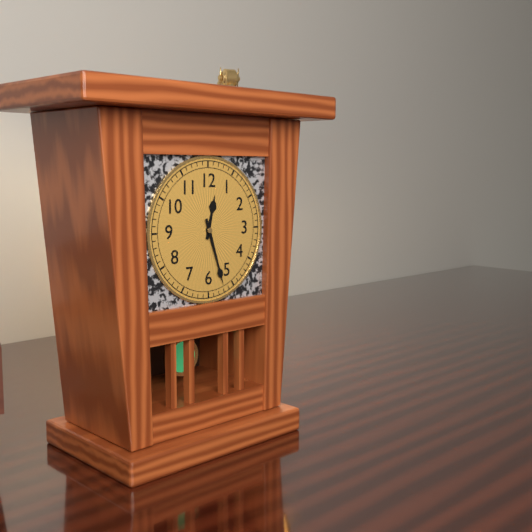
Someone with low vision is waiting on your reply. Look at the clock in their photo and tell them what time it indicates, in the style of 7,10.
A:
12,27
